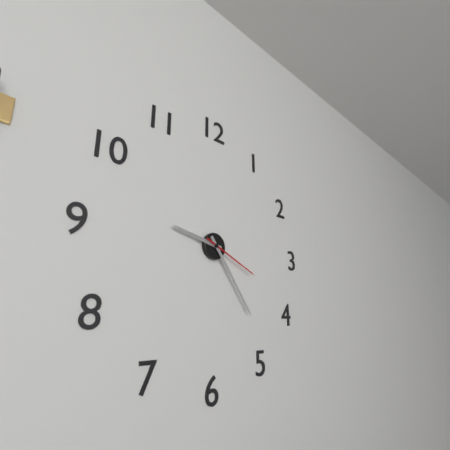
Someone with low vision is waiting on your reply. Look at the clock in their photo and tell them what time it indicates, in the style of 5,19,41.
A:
9,24,19
